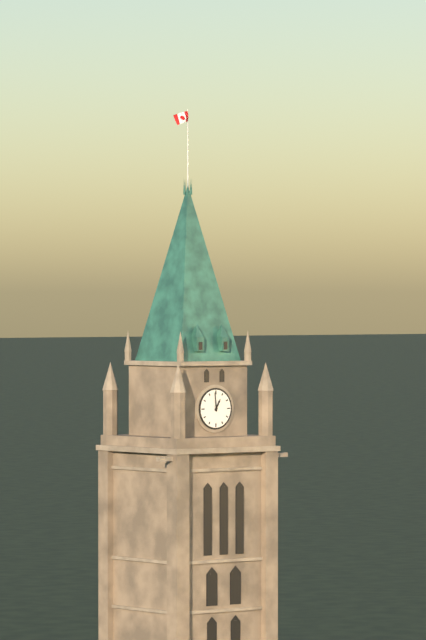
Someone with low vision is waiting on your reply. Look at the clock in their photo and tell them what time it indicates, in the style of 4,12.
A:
12,59
